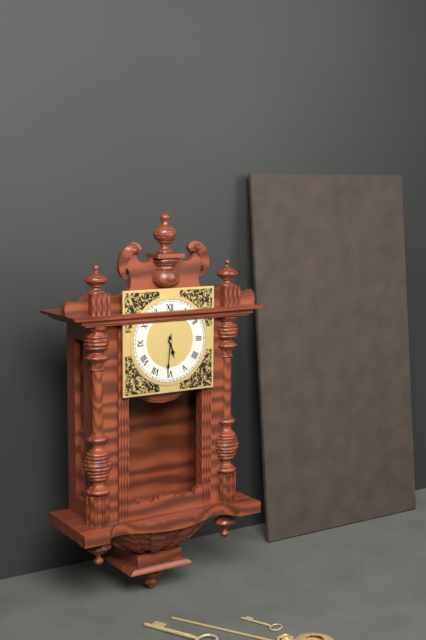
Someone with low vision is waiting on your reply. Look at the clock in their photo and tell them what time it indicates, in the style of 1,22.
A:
5,31
